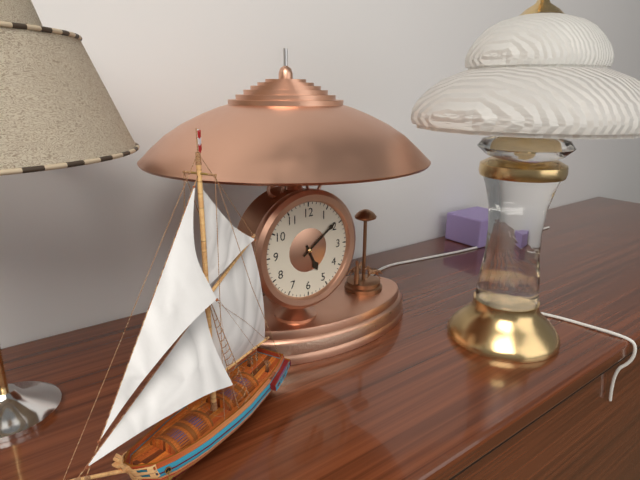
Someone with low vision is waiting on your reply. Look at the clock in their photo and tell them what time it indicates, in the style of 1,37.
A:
5,09
